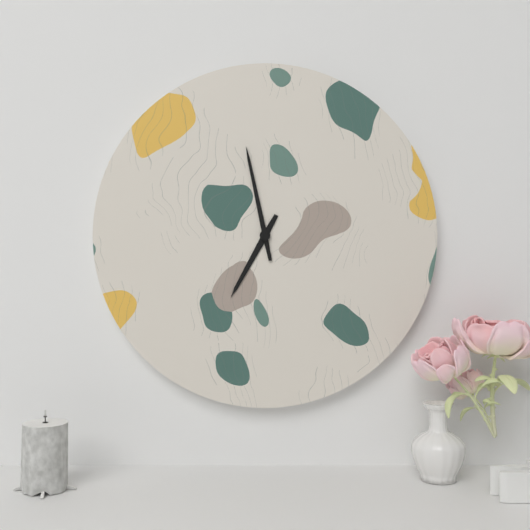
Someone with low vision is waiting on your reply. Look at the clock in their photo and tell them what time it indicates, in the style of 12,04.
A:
6,58
